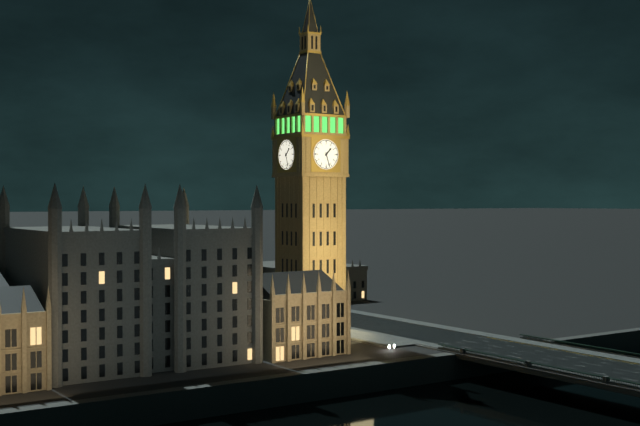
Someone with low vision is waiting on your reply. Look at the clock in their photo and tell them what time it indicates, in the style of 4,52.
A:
1,27
